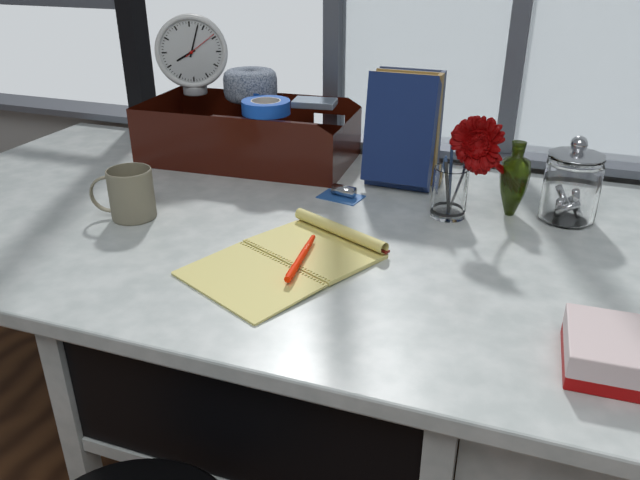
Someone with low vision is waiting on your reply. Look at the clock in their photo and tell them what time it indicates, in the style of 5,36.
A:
8,03
